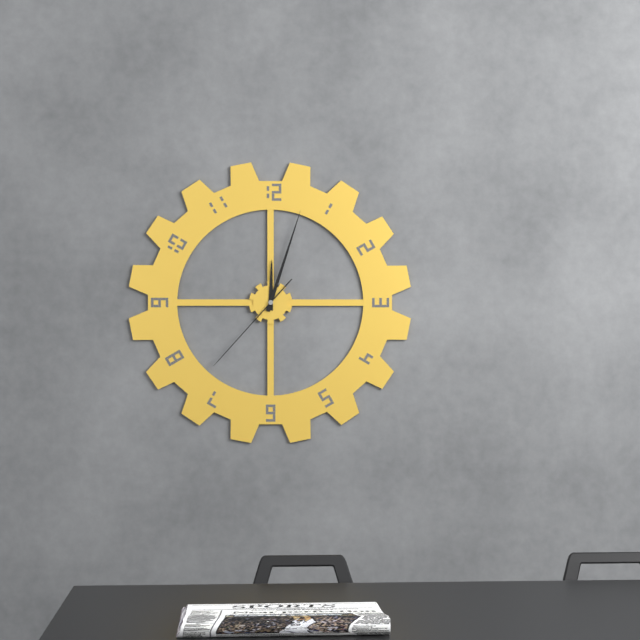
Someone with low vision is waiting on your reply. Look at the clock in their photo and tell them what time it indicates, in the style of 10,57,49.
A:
12,03,37
